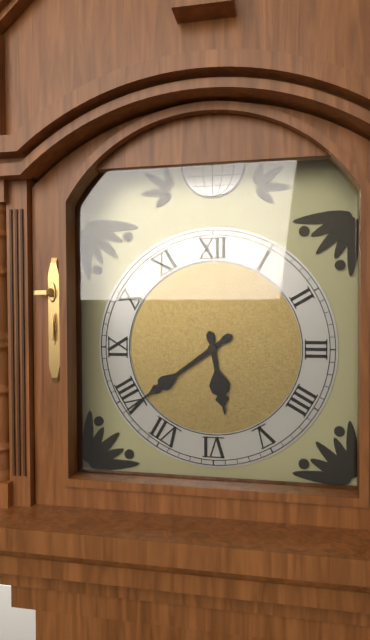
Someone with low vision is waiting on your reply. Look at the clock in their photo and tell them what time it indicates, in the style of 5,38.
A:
5,39
